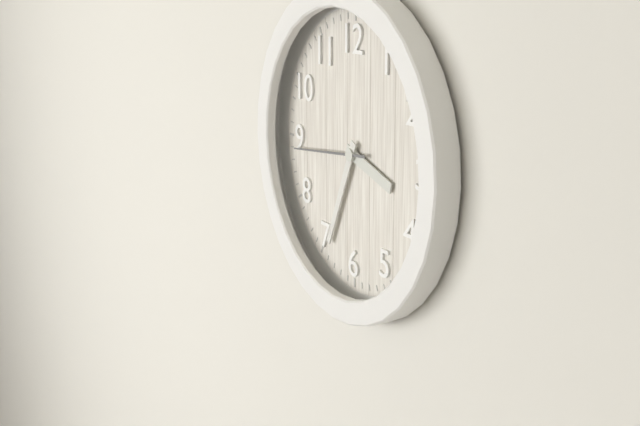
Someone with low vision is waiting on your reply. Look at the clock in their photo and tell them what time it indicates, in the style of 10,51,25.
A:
3,34,44
